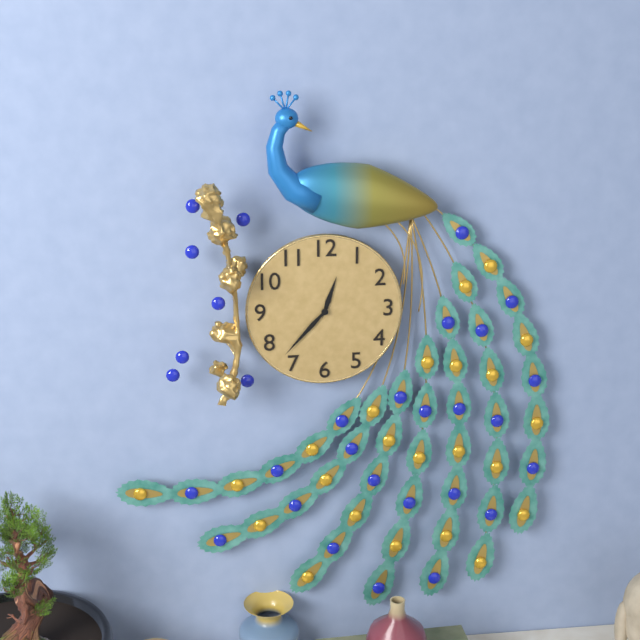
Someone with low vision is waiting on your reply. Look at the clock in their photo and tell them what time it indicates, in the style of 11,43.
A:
12,37
